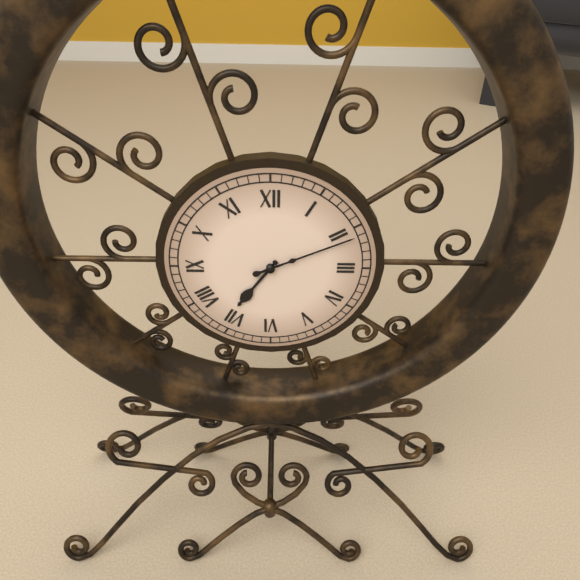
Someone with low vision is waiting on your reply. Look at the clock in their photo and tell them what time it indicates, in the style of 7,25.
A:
7,11
